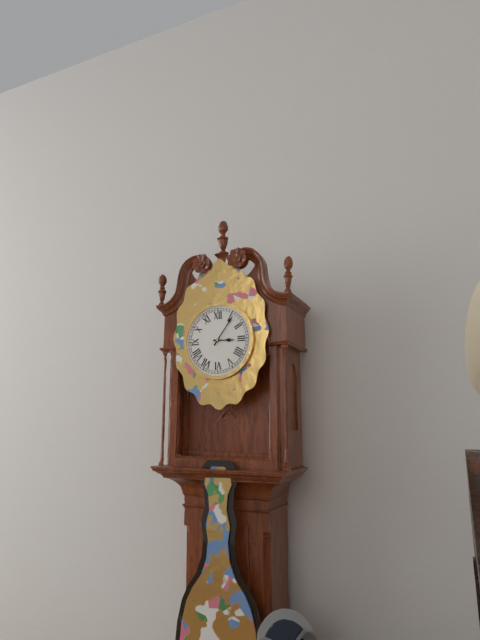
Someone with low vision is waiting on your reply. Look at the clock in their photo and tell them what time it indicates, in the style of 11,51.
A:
3,06
